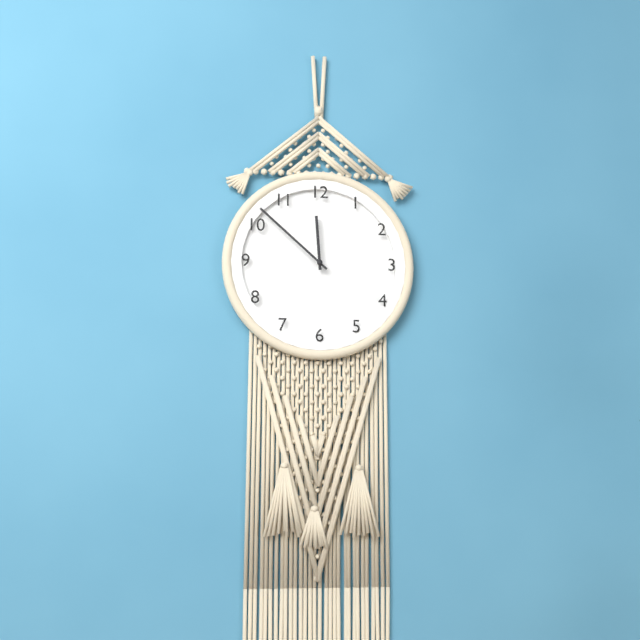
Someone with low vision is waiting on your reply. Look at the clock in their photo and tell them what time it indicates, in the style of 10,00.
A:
11,52
